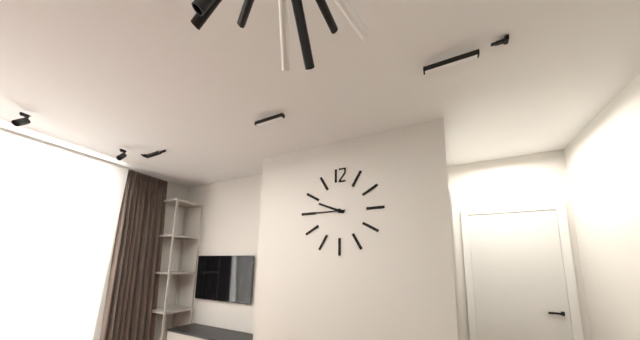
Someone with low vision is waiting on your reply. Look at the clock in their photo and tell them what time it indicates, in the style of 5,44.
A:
9,45
